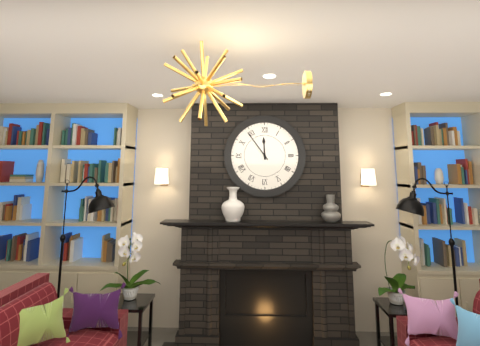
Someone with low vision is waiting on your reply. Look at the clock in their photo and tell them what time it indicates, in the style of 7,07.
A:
11,54
